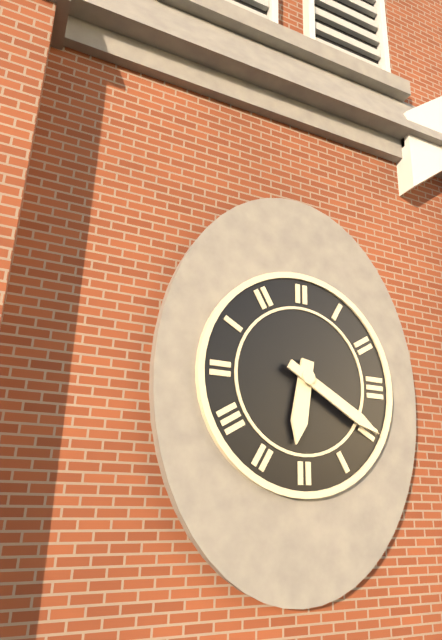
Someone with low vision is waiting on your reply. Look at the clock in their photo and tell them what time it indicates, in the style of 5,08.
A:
6,20
